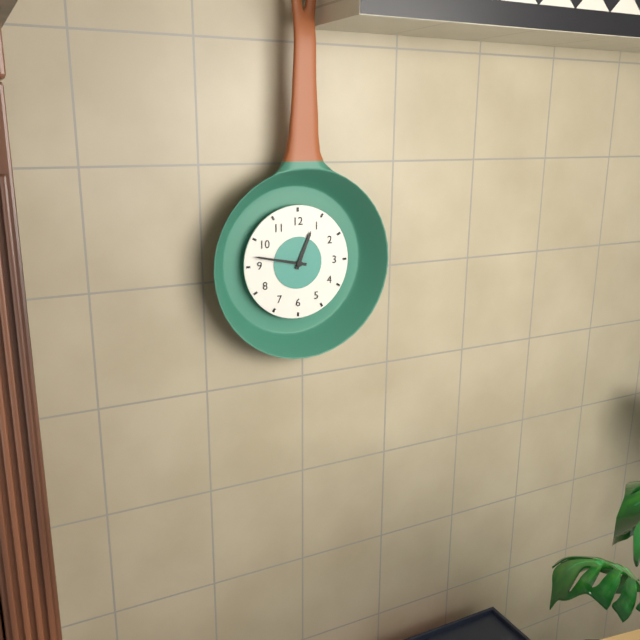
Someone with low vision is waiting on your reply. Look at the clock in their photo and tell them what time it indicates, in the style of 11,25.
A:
12,47
